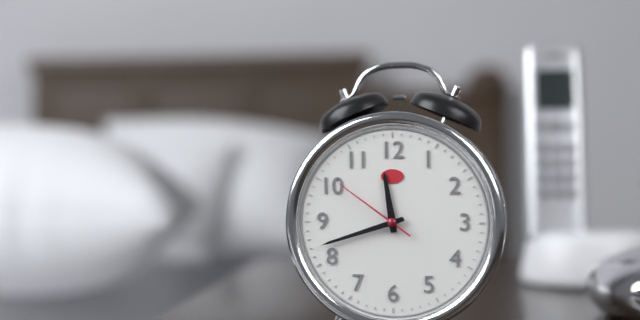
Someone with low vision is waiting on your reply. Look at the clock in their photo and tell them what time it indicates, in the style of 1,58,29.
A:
11,42,51
